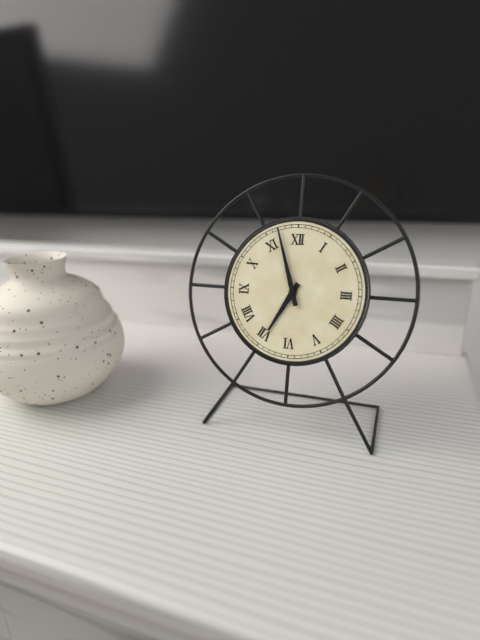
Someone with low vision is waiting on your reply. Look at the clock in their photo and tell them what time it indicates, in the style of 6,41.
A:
6,57
